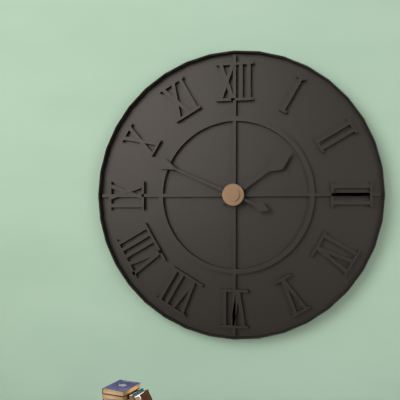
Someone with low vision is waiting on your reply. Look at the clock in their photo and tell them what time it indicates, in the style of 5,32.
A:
1,49
